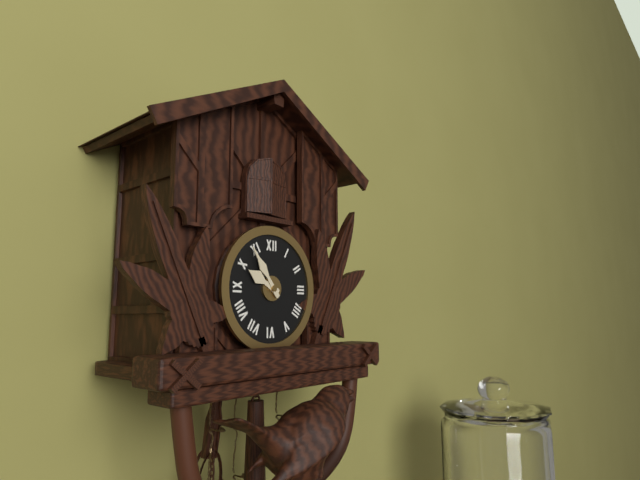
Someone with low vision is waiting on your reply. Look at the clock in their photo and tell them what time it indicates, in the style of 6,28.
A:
9,54
